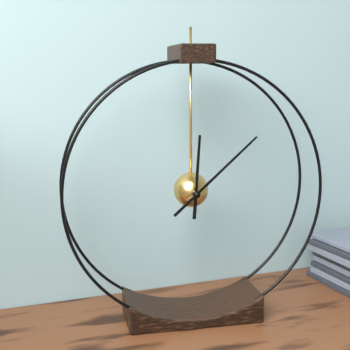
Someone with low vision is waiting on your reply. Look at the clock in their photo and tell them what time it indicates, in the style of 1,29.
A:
12,08
